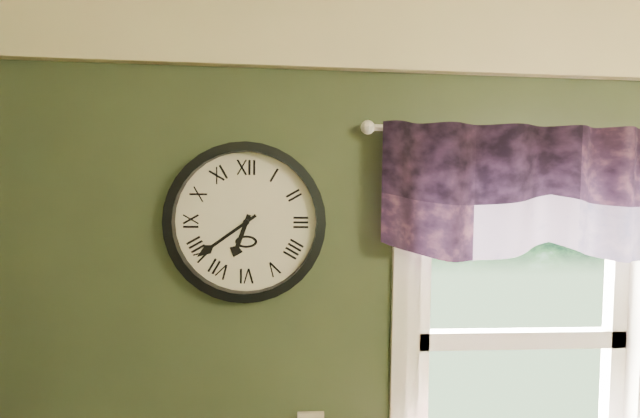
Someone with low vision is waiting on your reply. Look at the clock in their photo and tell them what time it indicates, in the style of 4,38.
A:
6,39
